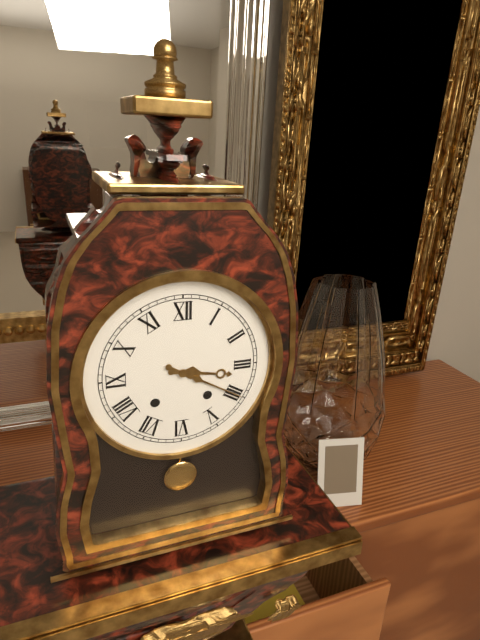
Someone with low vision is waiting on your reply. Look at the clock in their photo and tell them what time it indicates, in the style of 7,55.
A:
3,20
